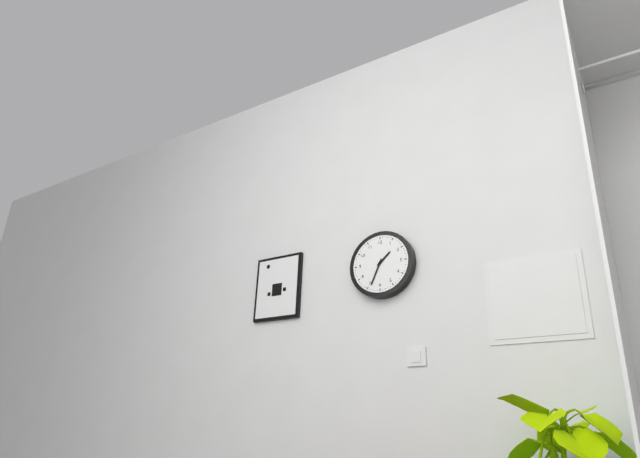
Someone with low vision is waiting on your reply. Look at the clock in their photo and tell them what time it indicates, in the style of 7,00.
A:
1,34
